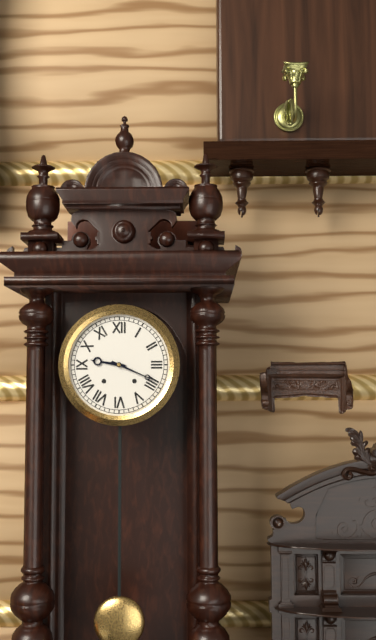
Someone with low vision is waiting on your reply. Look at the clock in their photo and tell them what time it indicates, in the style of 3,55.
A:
9,19
